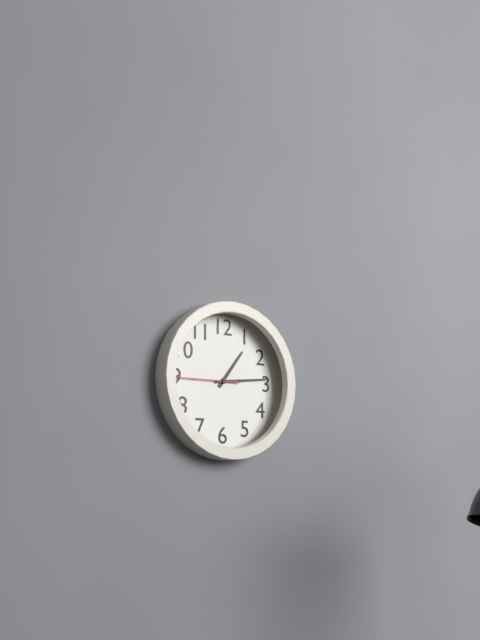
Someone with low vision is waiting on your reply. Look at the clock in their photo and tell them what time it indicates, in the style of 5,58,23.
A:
1,14,45
